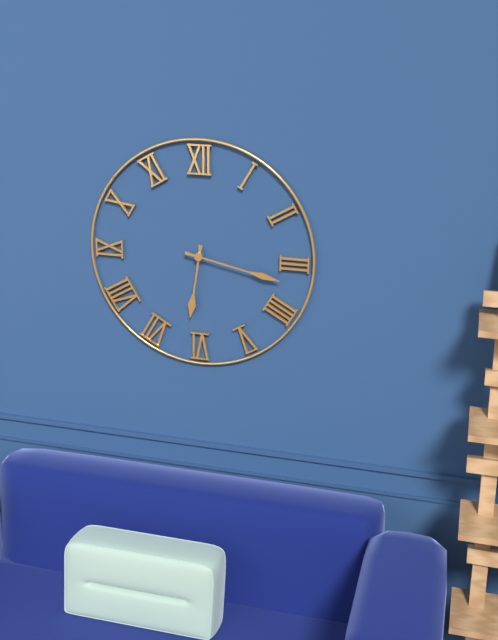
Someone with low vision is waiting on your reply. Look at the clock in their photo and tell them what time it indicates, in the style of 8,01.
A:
6,17
